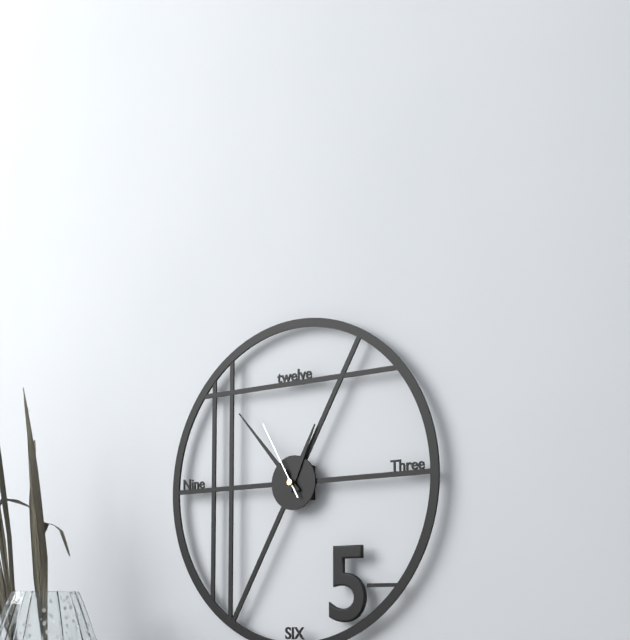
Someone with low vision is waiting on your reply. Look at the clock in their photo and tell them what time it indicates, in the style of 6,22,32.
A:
12,53,55
